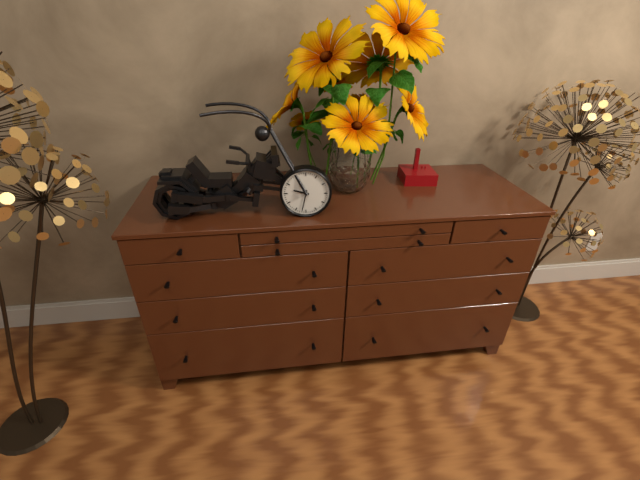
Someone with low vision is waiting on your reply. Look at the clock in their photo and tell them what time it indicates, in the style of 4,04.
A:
9,32
